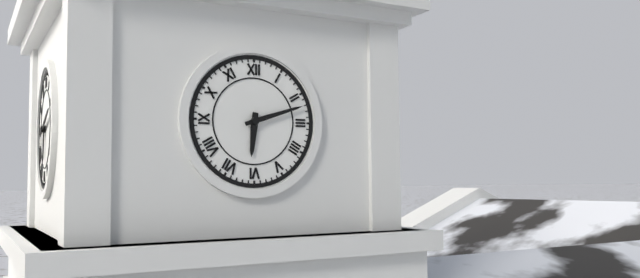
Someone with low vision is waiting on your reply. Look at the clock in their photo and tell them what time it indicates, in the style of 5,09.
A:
6,12
